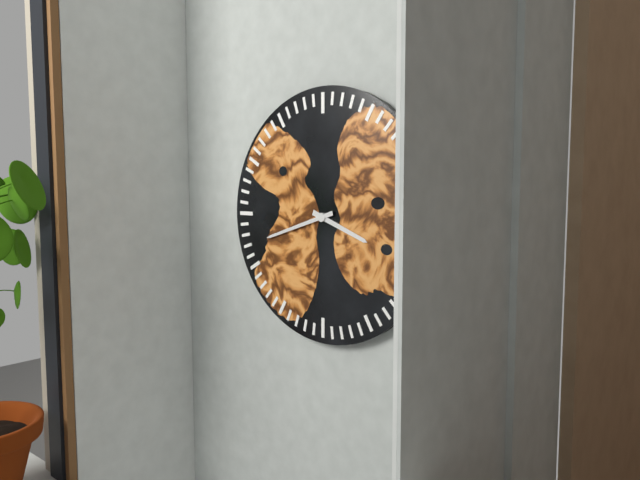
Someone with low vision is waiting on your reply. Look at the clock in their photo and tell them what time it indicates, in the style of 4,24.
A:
3,42
